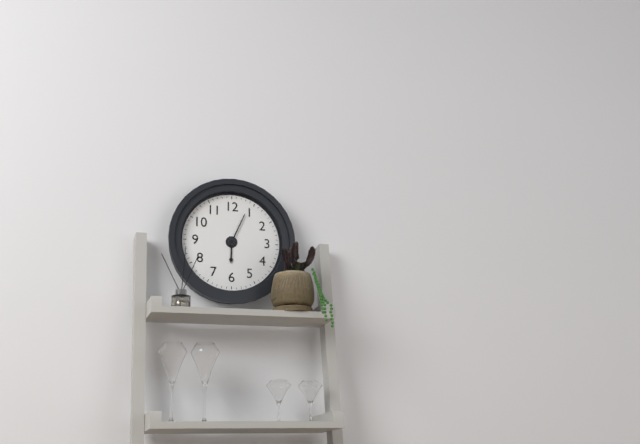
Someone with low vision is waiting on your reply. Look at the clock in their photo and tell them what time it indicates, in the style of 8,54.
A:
6,04
